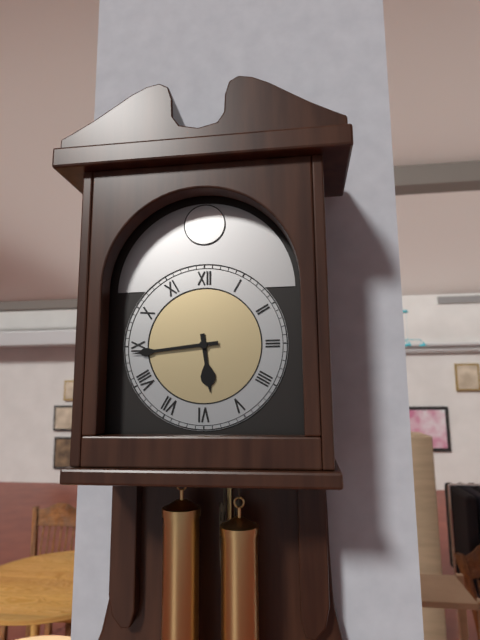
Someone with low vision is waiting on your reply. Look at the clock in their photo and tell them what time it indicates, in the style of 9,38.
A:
5,44
